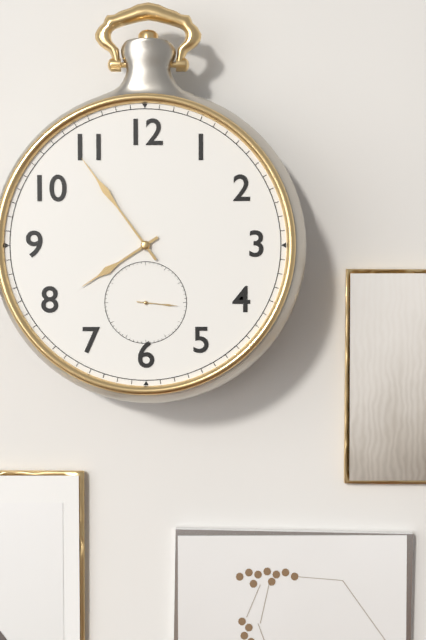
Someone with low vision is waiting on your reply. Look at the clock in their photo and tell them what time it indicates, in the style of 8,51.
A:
7,54
